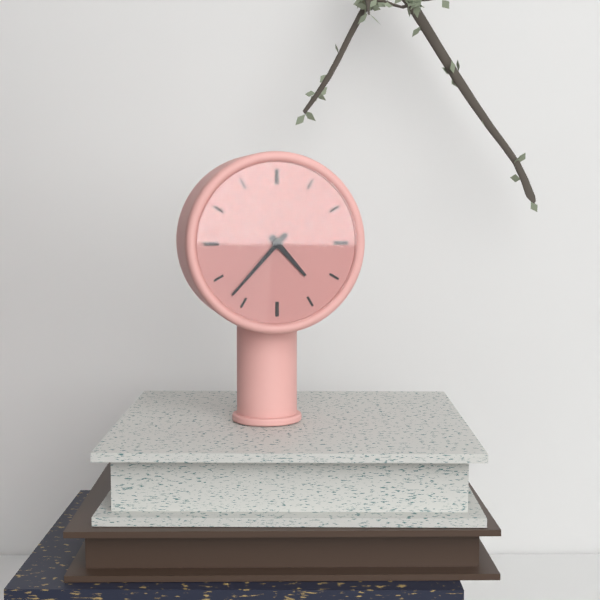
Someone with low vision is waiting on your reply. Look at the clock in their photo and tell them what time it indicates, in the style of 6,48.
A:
4,37
